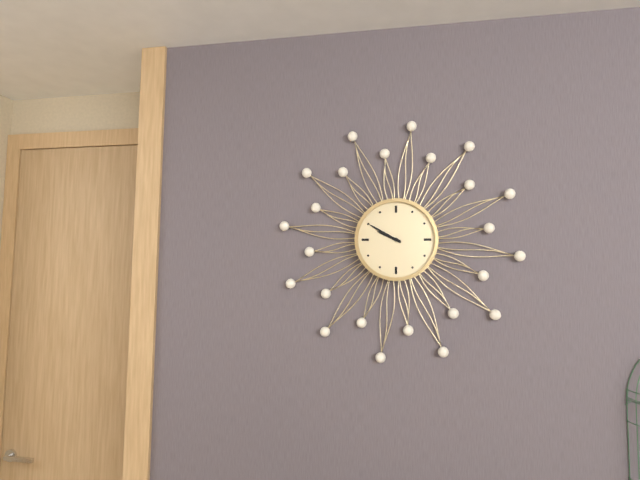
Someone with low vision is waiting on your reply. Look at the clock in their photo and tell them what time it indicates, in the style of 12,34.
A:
9,50
